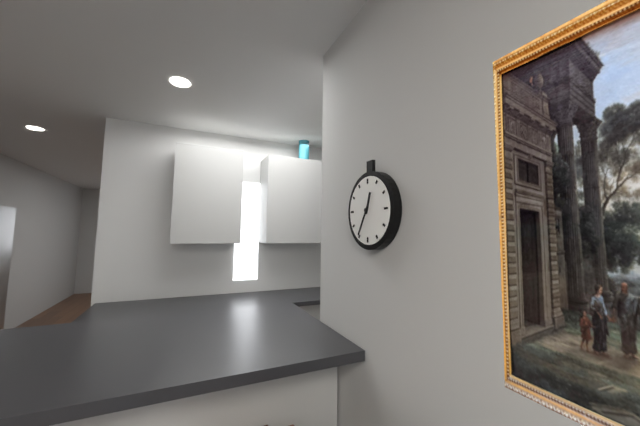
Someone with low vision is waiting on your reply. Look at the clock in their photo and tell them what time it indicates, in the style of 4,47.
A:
12,35
